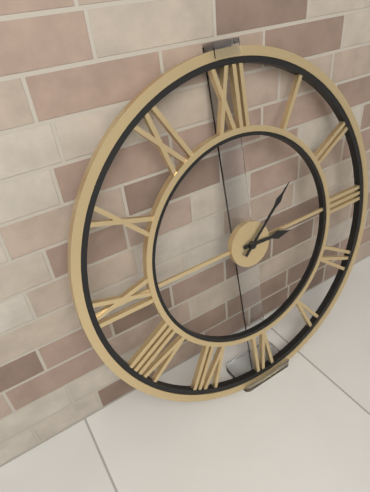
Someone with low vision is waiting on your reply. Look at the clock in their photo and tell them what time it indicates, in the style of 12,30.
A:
3,08
